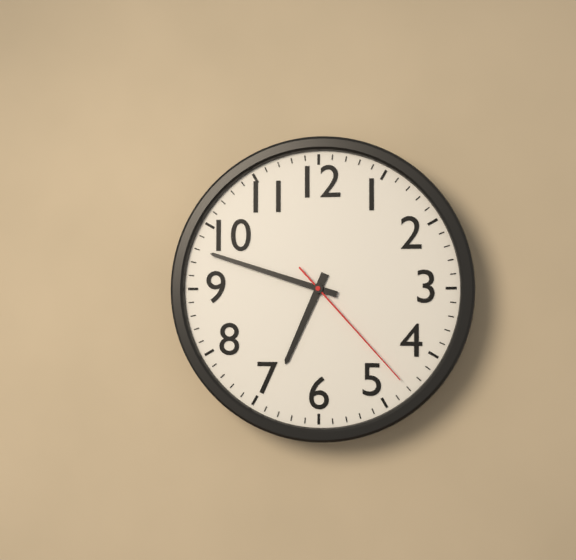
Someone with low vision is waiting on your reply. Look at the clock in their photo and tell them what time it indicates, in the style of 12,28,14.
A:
6,48,23
